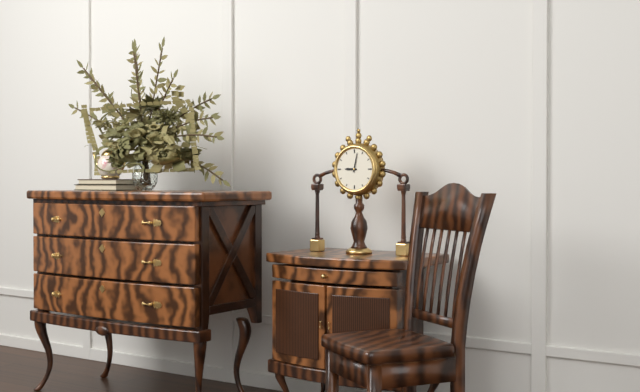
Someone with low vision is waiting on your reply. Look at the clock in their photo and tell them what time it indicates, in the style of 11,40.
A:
9,02
